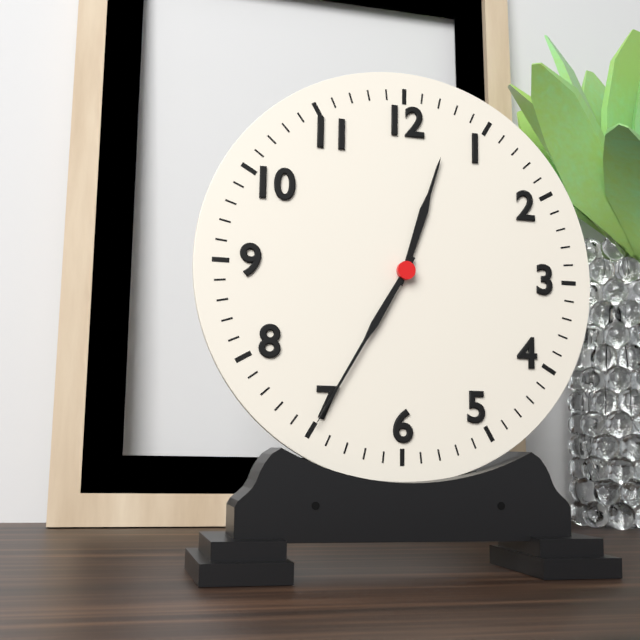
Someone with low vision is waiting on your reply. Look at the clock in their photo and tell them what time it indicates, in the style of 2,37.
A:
12,35
